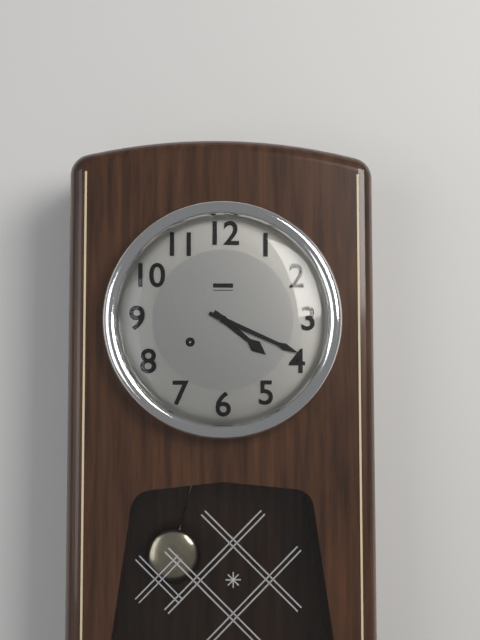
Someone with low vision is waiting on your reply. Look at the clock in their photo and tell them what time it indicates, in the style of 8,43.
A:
4,19
